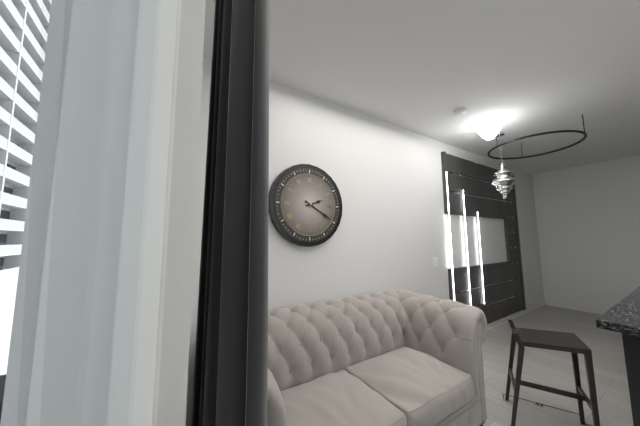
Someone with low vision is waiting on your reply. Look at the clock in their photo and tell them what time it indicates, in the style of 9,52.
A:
2,20
